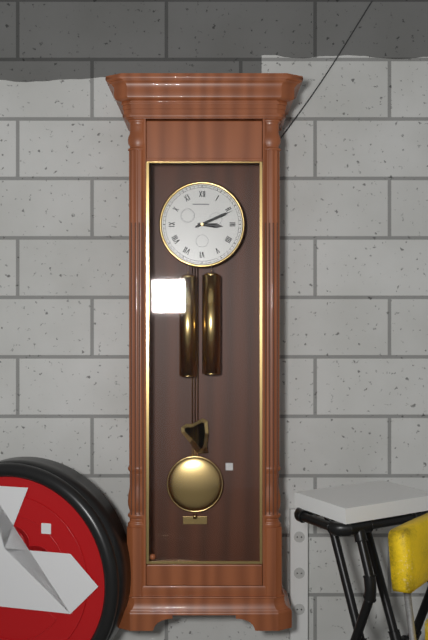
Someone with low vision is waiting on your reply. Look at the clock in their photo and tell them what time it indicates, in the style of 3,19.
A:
3,11
